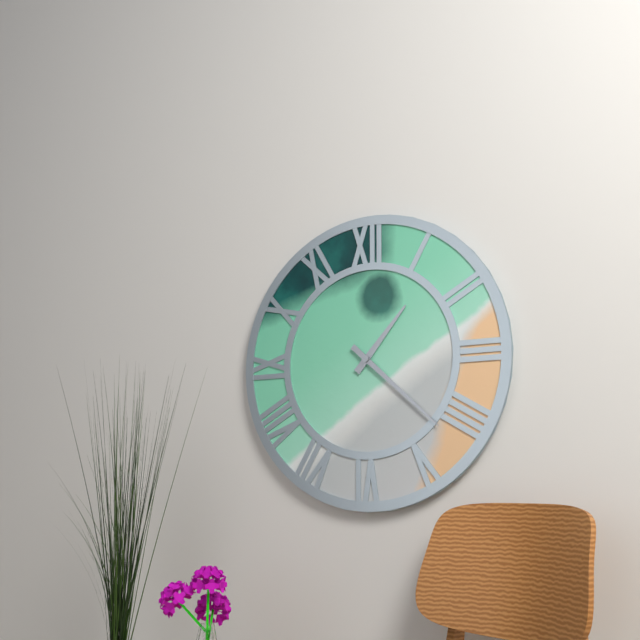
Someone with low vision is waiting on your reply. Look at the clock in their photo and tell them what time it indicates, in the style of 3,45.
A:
1,22
